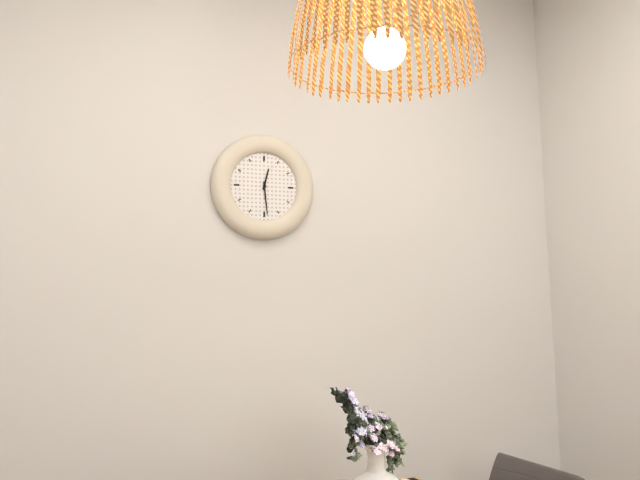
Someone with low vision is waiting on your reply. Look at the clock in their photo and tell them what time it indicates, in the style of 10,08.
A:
12,29
